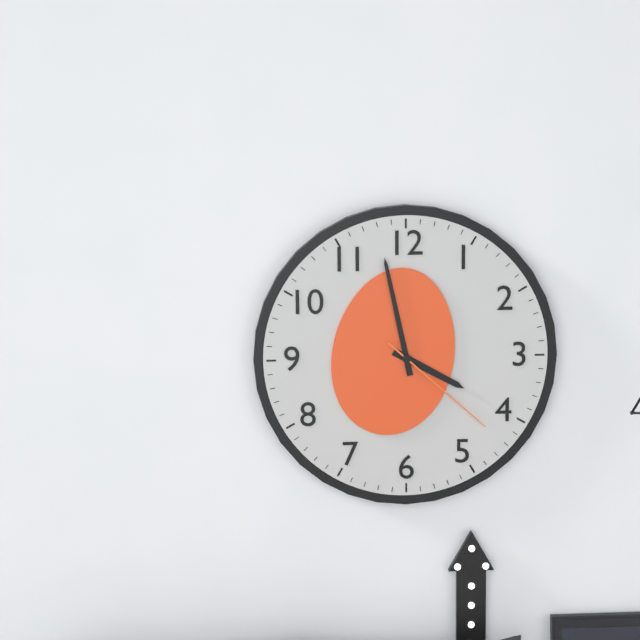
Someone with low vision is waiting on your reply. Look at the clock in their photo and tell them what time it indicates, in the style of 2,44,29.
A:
3,58,22
